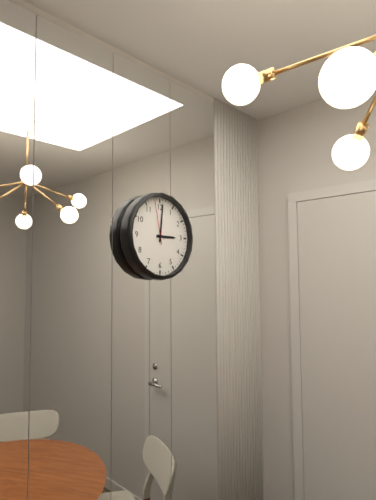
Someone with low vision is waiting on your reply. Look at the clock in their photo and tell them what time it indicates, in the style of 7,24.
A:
3,01
